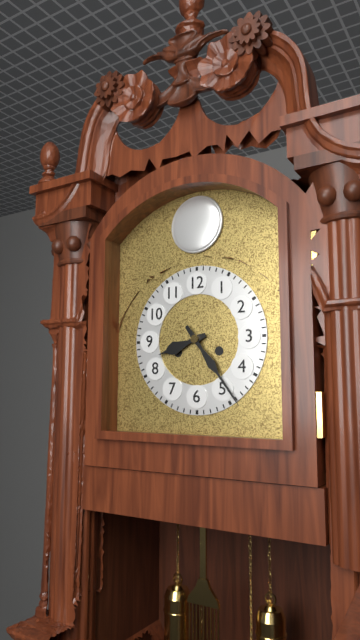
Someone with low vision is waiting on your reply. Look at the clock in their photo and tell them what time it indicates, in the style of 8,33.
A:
8,24
